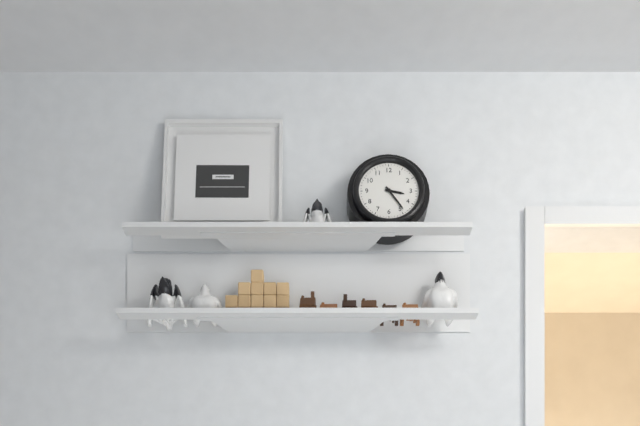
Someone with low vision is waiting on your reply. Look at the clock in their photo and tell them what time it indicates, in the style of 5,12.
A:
3,24
